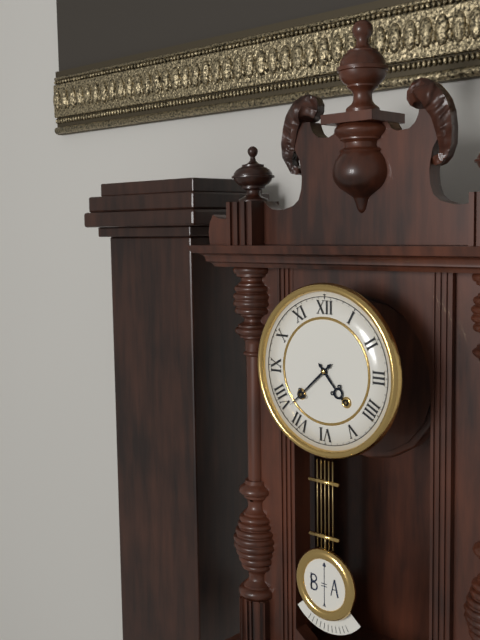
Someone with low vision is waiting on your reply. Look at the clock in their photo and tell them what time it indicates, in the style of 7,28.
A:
4,38
